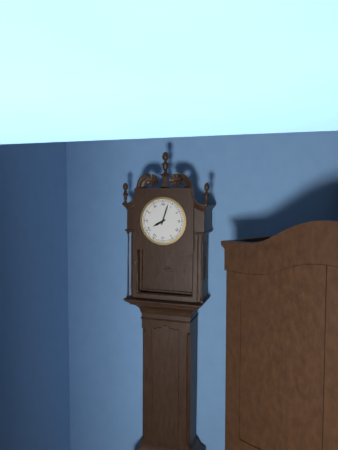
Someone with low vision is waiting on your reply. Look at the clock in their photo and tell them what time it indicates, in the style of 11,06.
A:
8,03
